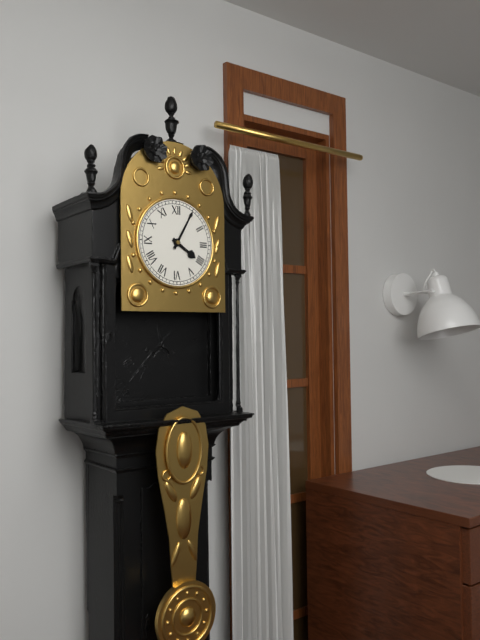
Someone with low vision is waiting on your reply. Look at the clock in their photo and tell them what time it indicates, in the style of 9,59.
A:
4,05
